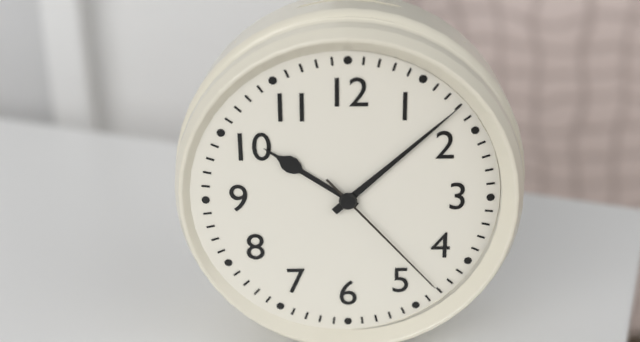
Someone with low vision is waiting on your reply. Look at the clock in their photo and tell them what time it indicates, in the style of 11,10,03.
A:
10,08,23
